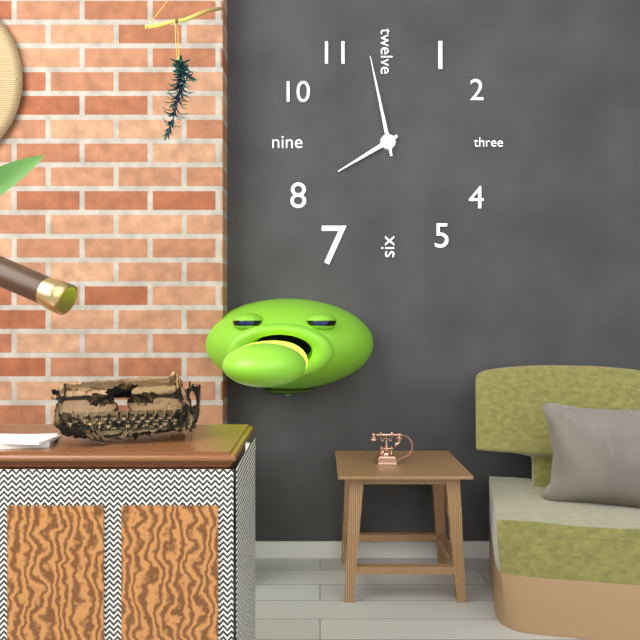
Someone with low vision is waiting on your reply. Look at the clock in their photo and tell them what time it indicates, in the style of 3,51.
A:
7,58
